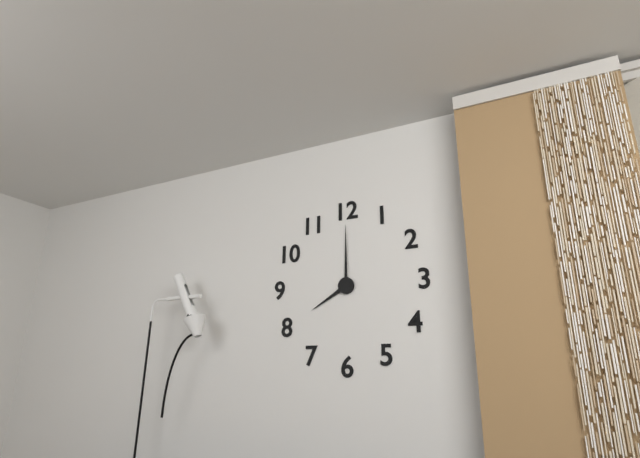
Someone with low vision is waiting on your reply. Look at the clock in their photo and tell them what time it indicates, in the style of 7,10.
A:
8,00
